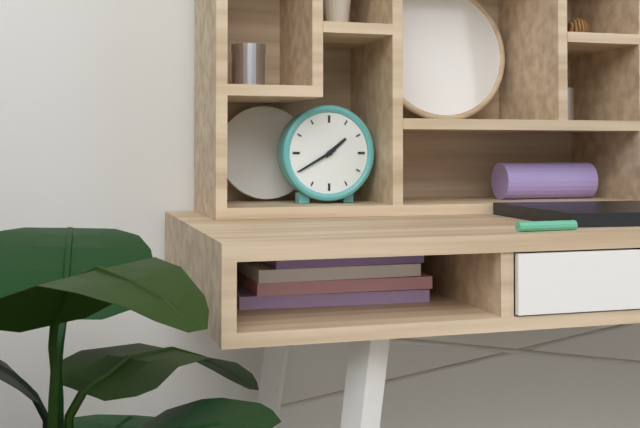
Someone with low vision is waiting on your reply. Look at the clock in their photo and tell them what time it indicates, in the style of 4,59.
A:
1,40
